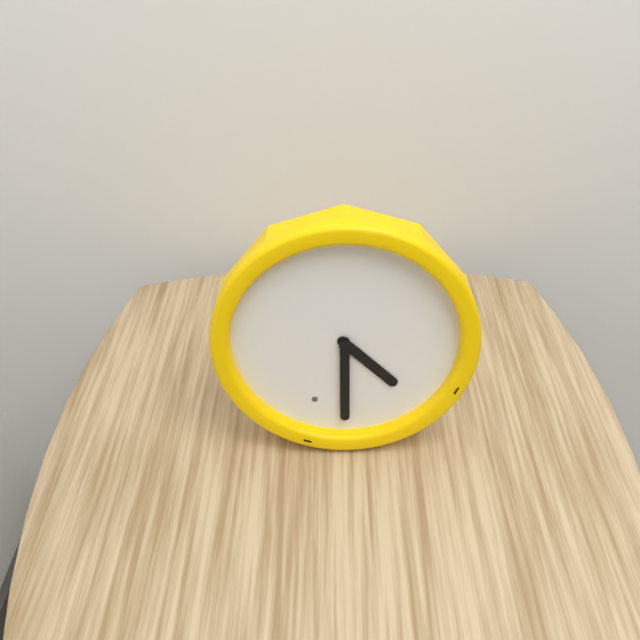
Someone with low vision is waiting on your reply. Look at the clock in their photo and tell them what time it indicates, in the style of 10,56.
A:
4,30
